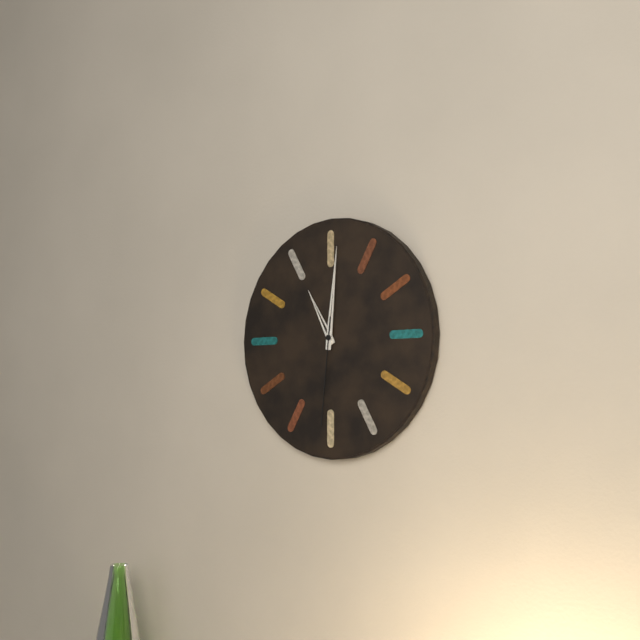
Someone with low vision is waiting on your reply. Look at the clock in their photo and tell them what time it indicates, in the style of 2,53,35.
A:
11,01,31
